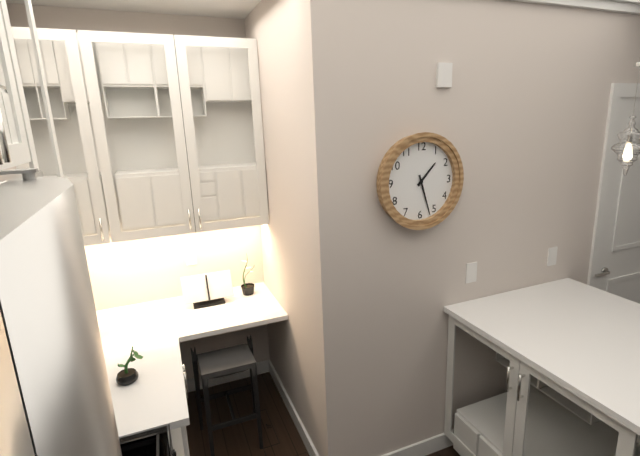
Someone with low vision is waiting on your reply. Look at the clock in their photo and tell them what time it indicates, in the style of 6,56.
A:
1,27
